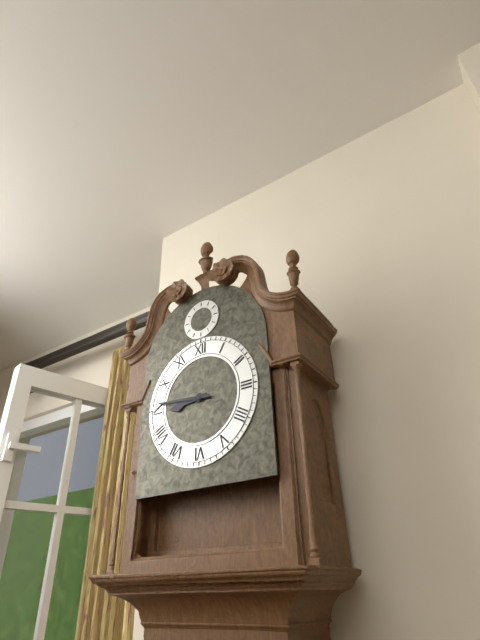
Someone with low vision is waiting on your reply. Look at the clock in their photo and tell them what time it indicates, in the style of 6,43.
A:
8,46
